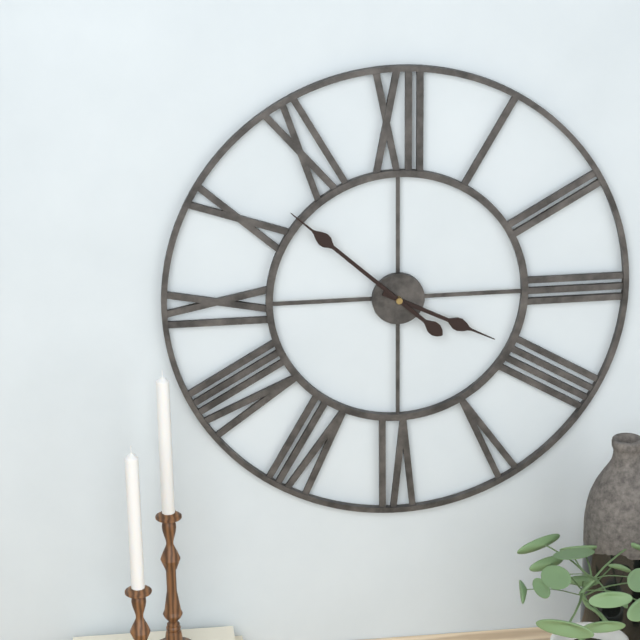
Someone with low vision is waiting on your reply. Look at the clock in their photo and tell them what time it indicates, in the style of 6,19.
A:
3,52
